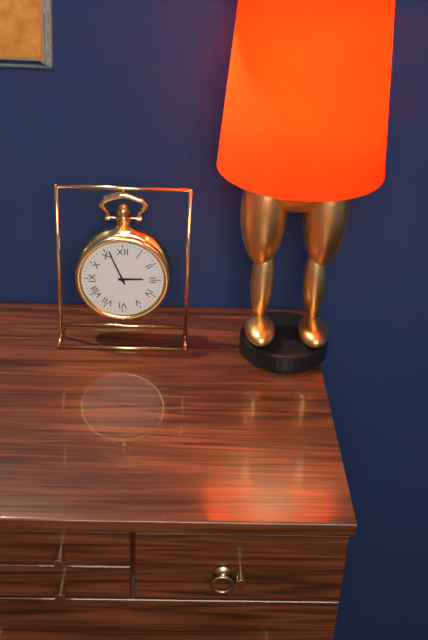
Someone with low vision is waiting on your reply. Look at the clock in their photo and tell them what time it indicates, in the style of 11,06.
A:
2,56
